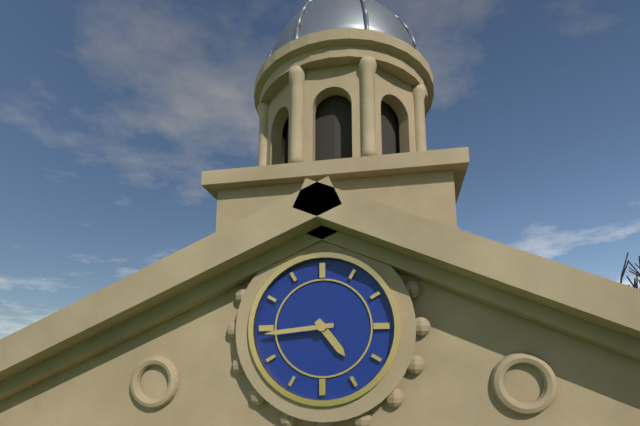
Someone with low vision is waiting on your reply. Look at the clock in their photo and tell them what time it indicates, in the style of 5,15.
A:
4,44
